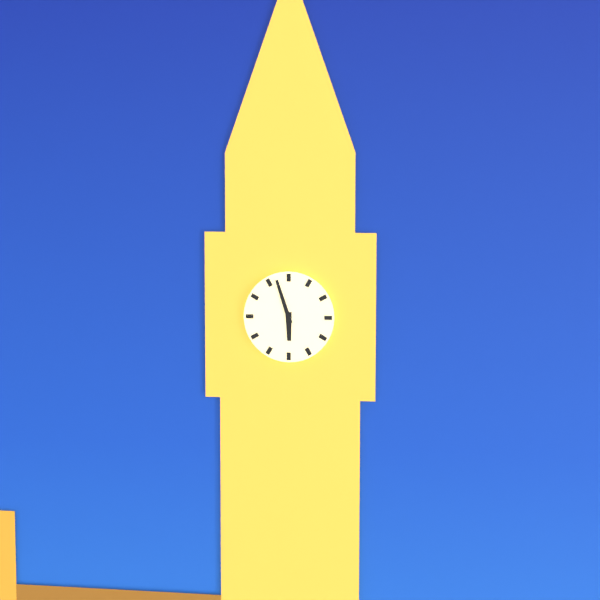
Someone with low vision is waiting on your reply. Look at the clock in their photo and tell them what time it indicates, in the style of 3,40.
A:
5,57
